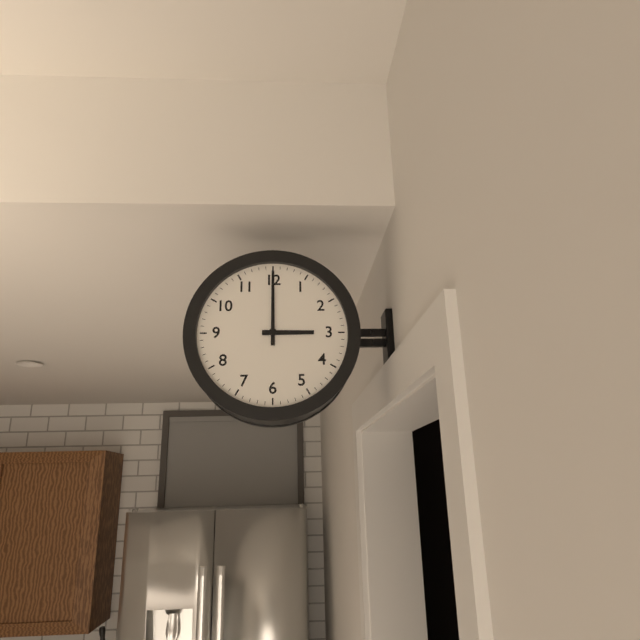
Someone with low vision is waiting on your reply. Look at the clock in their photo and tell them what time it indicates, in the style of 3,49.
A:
3,00
